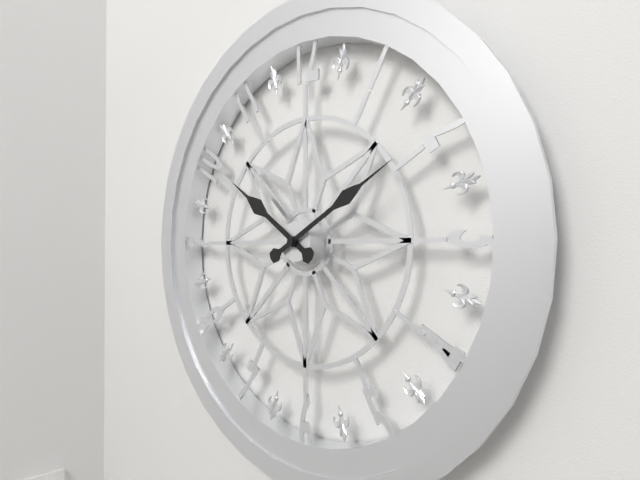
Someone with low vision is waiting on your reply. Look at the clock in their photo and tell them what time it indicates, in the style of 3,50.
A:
10,10
